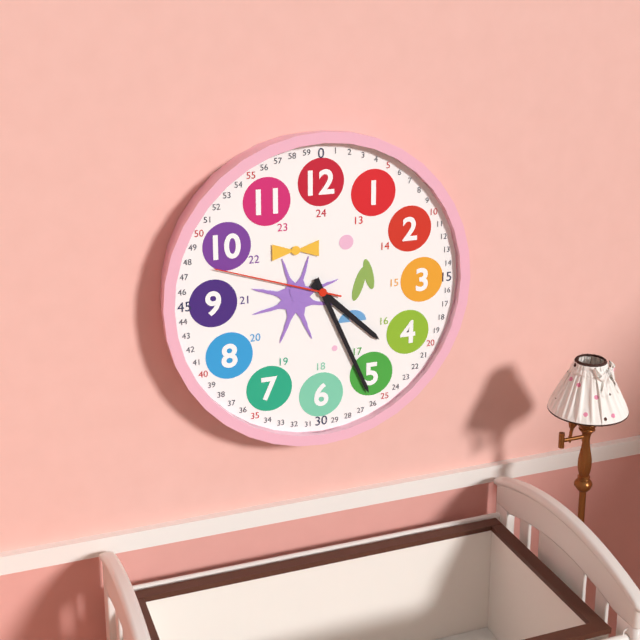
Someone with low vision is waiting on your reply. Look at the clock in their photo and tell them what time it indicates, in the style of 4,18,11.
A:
4,26,48
